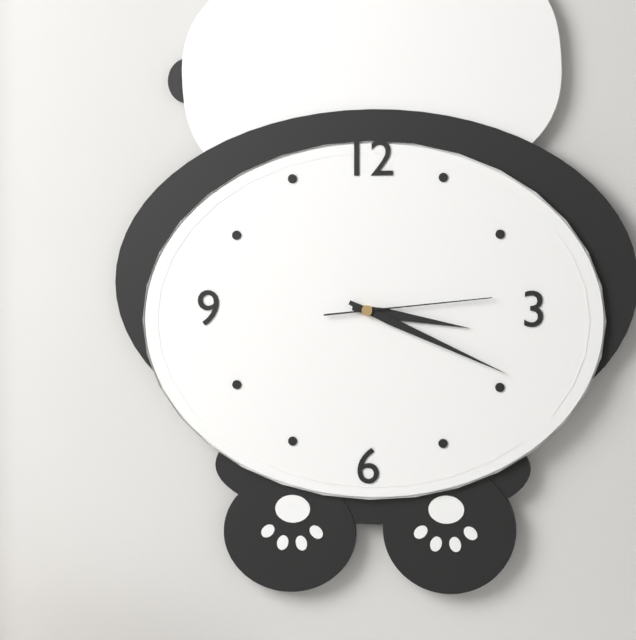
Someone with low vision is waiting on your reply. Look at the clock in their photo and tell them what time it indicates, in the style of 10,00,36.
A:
3,19,14
